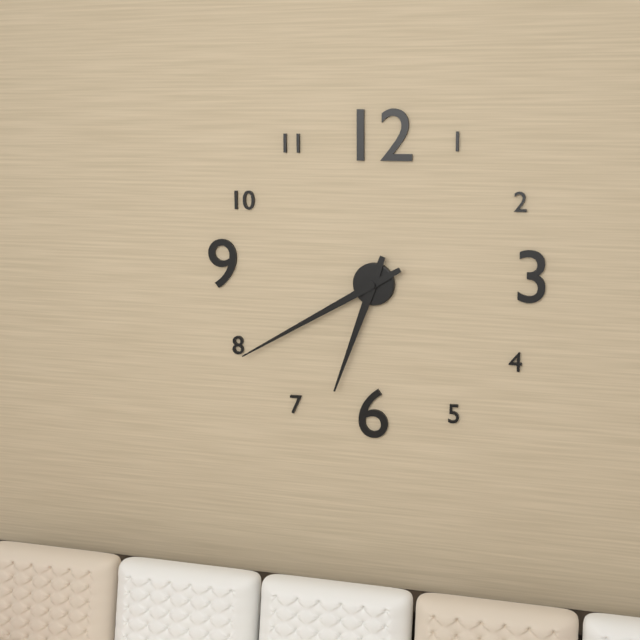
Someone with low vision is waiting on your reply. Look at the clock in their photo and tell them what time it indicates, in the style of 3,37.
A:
6,40
